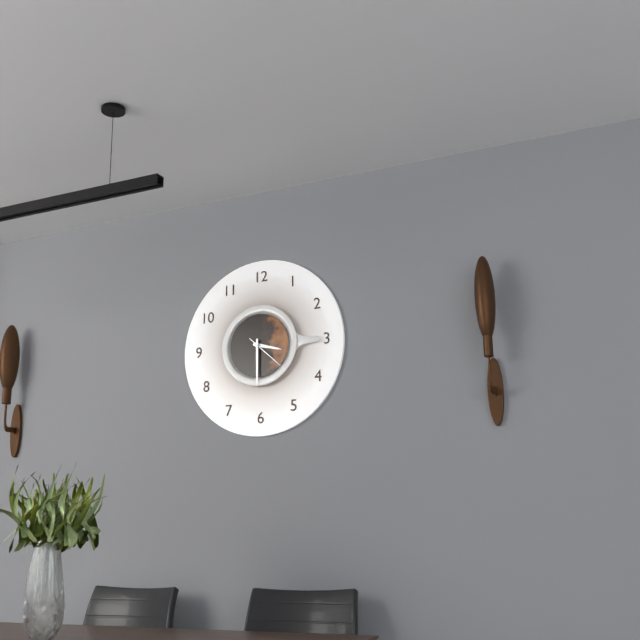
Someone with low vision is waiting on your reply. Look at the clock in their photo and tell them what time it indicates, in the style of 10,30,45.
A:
3,30,22
